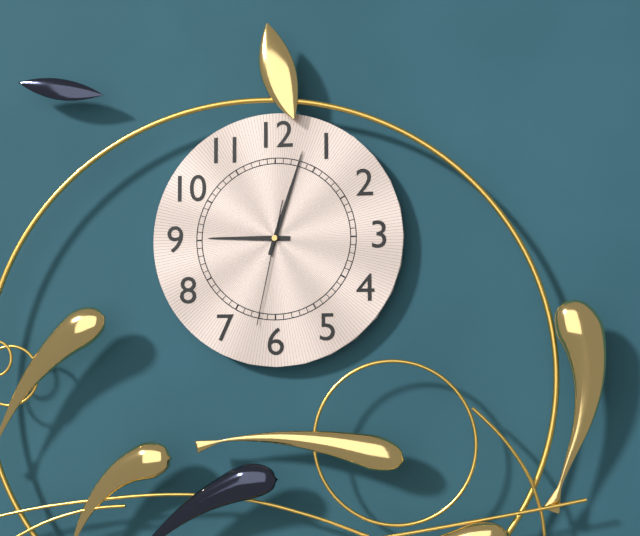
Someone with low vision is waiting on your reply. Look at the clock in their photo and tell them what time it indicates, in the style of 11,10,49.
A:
9,03,32
